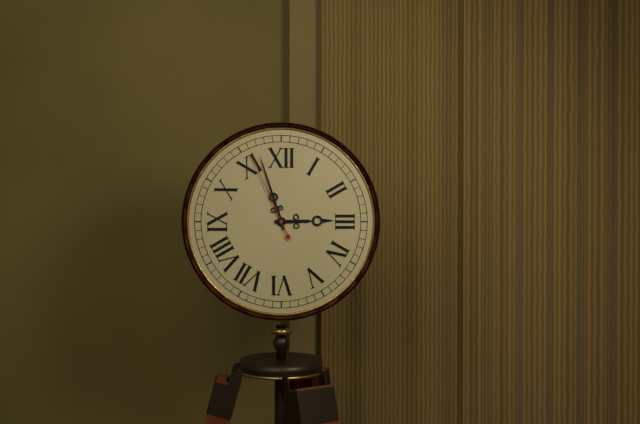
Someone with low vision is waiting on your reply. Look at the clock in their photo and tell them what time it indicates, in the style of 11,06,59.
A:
2,57,56
